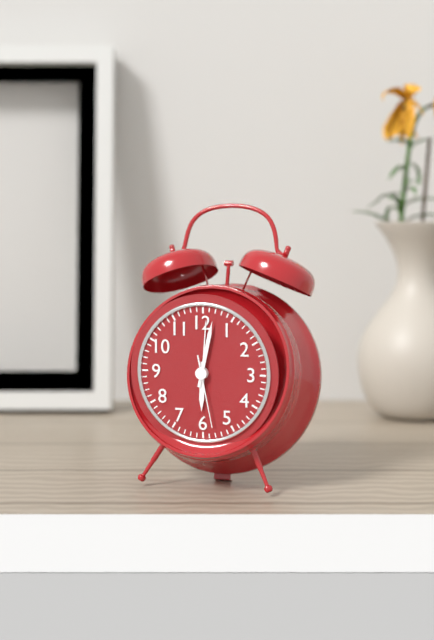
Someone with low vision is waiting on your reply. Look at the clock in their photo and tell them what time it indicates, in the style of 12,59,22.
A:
6,02,28
